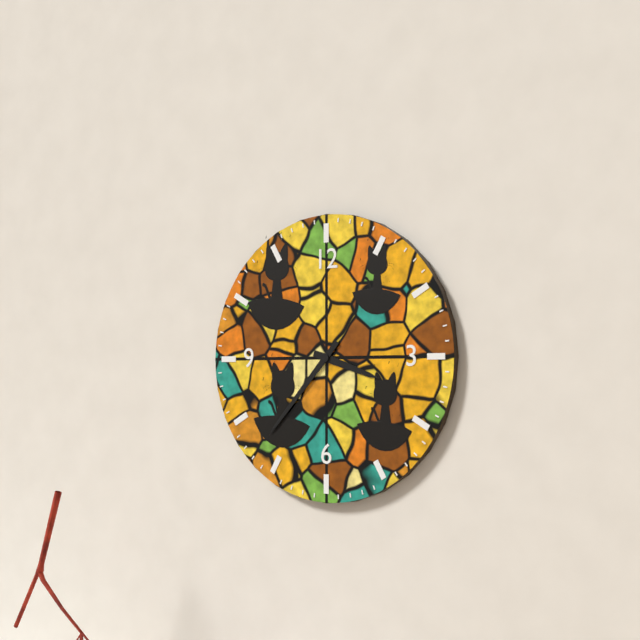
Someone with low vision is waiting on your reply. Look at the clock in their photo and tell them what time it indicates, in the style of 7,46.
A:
3,37
